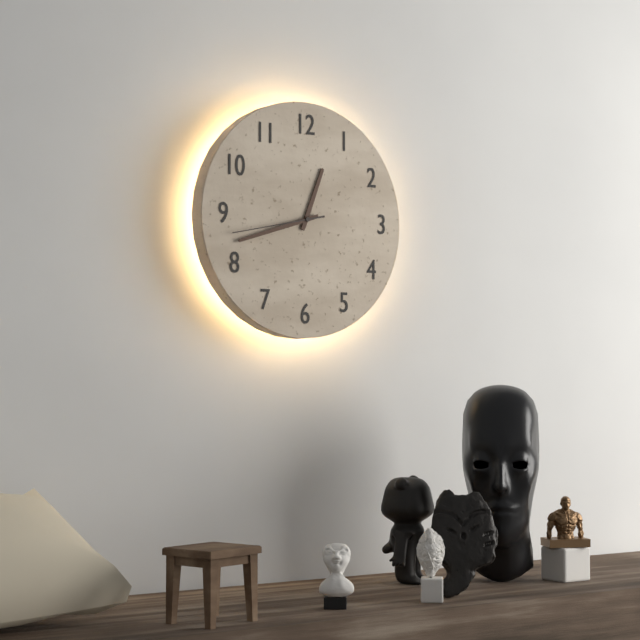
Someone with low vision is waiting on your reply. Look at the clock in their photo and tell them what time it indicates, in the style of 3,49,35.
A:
12,42,43
